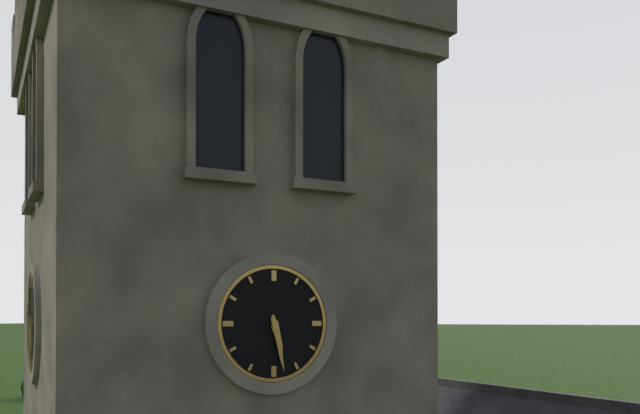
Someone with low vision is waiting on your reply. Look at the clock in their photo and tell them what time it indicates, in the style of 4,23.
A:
5,28
